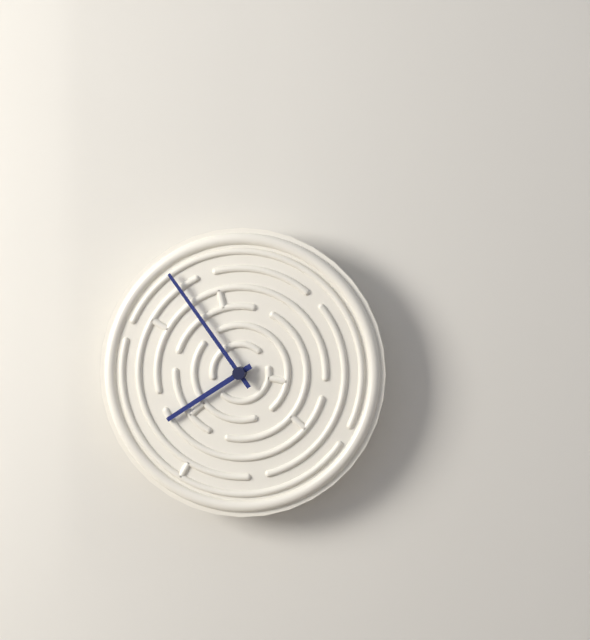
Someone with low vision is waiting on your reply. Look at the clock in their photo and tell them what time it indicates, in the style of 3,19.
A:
7,54
